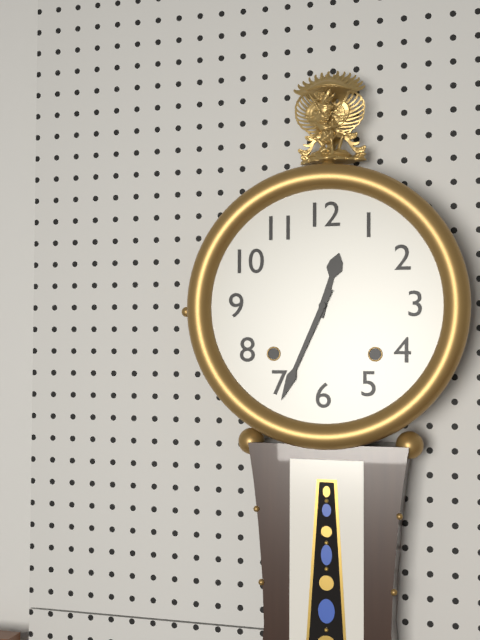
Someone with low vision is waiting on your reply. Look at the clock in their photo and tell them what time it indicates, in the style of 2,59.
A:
12,34
